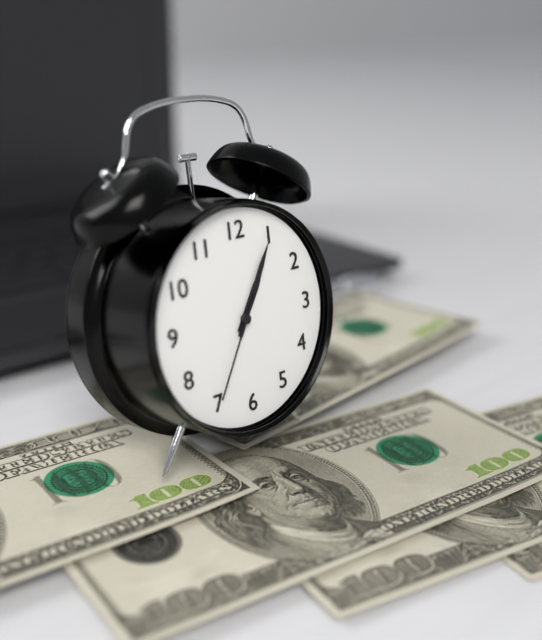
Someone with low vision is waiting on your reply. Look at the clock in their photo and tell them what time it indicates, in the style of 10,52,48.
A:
1,05,35
